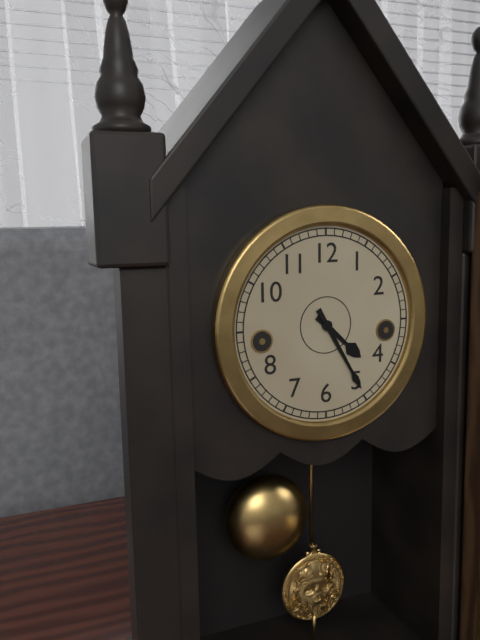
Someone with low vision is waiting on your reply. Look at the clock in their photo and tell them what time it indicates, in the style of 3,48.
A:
4,25
